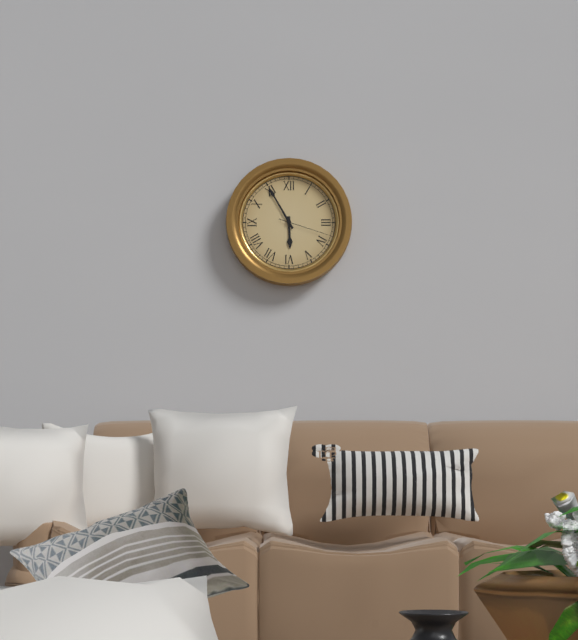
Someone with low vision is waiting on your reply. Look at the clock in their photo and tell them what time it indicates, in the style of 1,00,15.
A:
5,55,18
